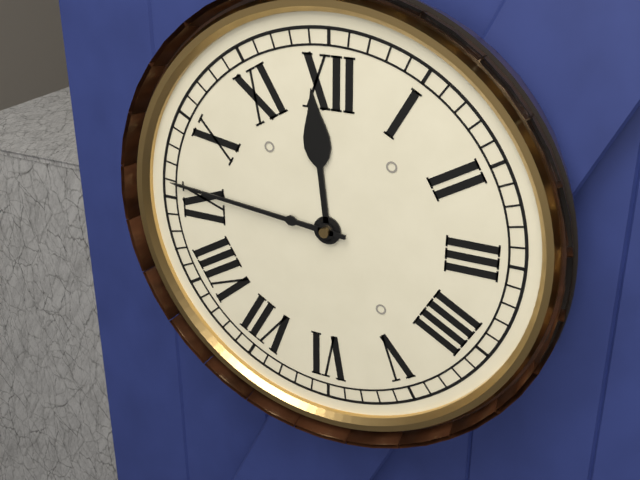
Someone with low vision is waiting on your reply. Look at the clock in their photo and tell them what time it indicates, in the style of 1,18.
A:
11,46
